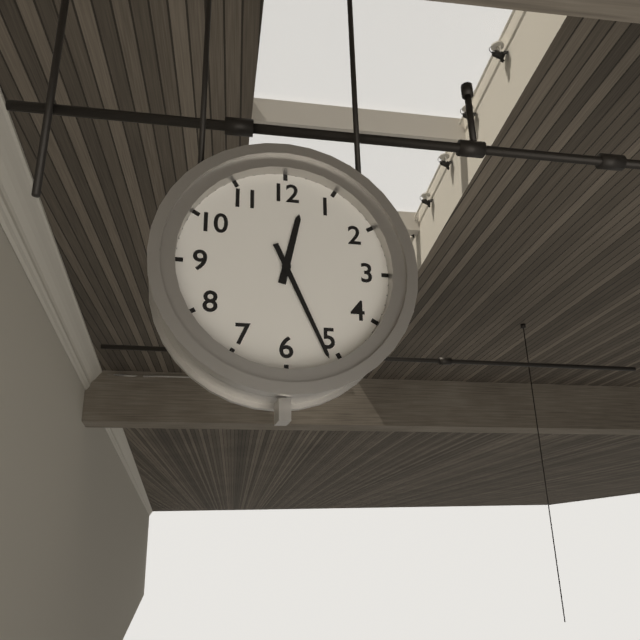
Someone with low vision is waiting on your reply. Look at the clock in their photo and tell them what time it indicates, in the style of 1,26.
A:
12,26
